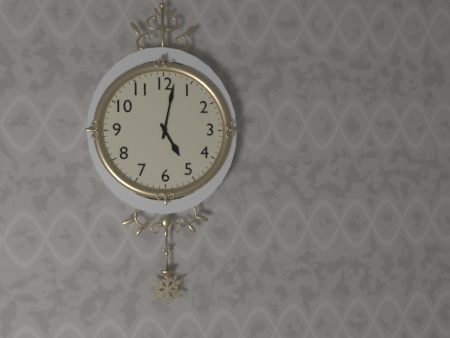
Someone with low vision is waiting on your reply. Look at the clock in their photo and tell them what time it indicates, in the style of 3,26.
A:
5,02
